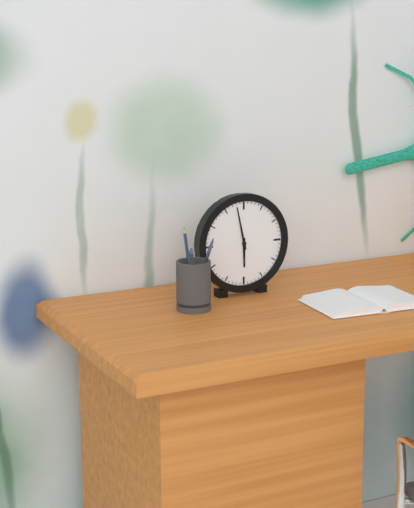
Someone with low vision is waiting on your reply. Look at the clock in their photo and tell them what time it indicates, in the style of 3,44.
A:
5,58
